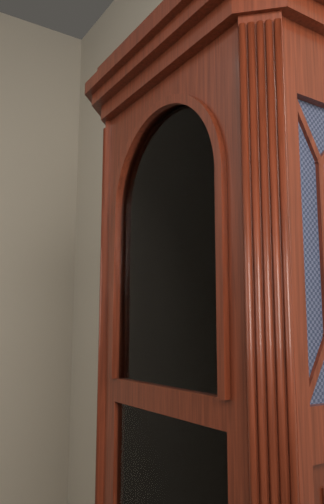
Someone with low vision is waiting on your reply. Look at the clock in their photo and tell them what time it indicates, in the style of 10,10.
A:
6,21
